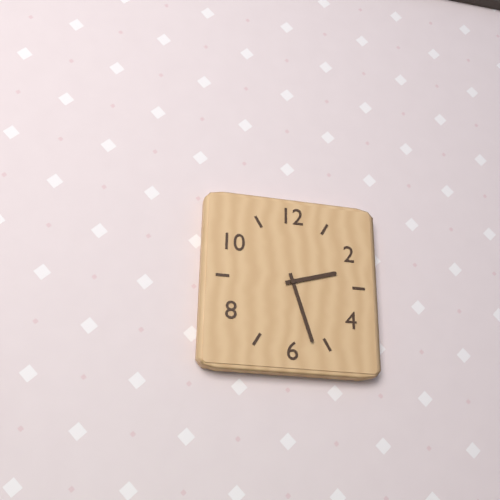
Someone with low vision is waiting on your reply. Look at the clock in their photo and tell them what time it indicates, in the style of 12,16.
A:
2,27
